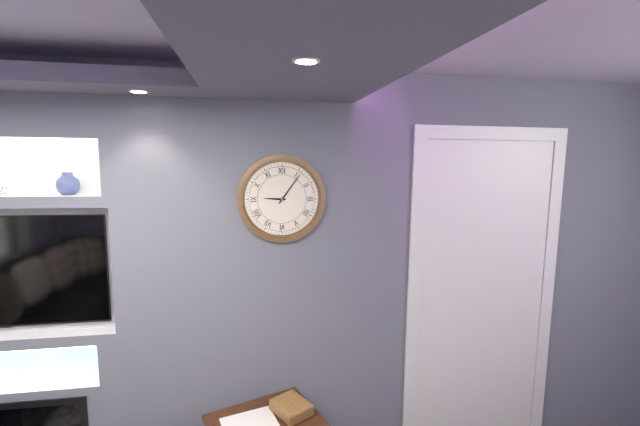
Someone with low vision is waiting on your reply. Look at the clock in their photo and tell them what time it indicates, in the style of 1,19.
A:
9,06
